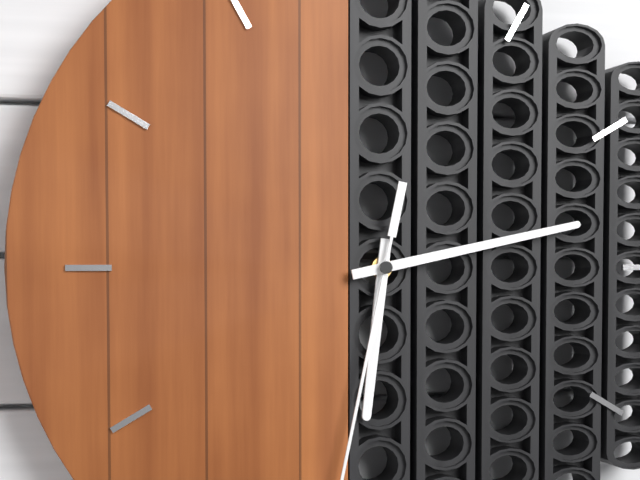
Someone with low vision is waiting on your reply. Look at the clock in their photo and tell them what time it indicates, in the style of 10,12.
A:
6,13
